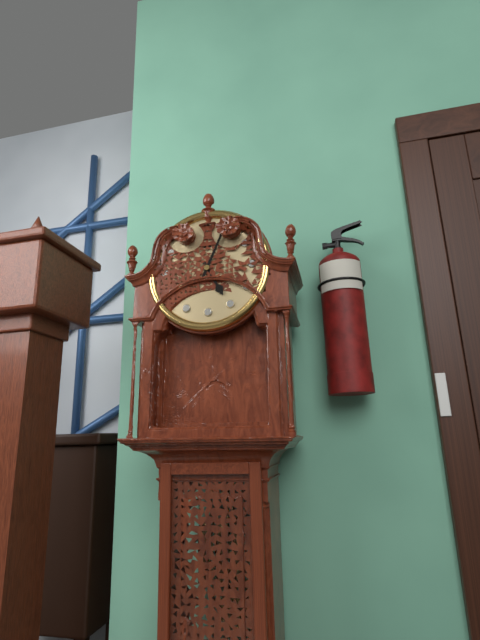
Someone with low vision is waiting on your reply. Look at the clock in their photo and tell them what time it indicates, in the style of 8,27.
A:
5,04
